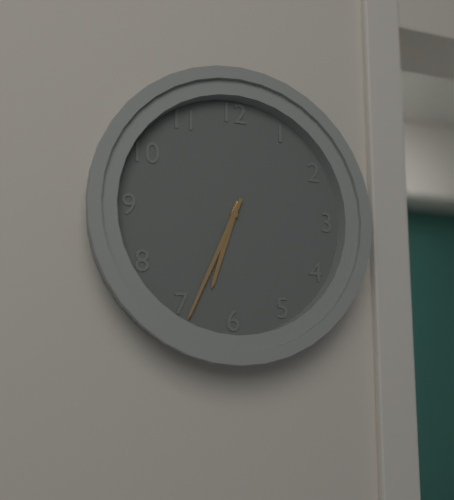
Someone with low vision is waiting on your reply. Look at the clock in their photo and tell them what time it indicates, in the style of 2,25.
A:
6,34
